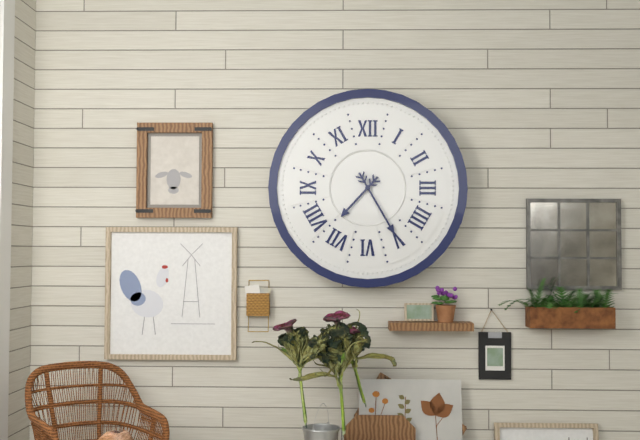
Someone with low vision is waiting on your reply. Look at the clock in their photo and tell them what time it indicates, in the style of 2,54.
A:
7,25
